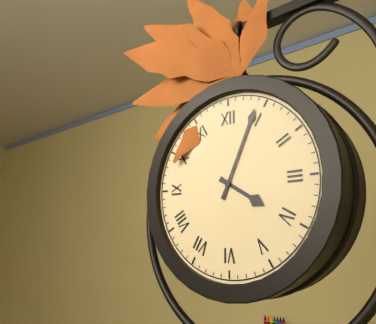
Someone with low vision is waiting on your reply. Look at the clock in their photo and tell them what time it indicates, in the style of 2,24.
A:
4,04
